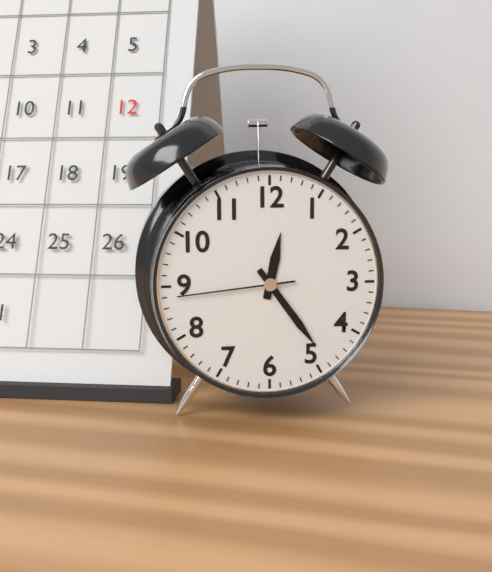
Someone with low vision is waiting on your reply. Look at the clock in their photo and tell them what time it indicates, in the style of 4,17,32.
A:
12,24,44
